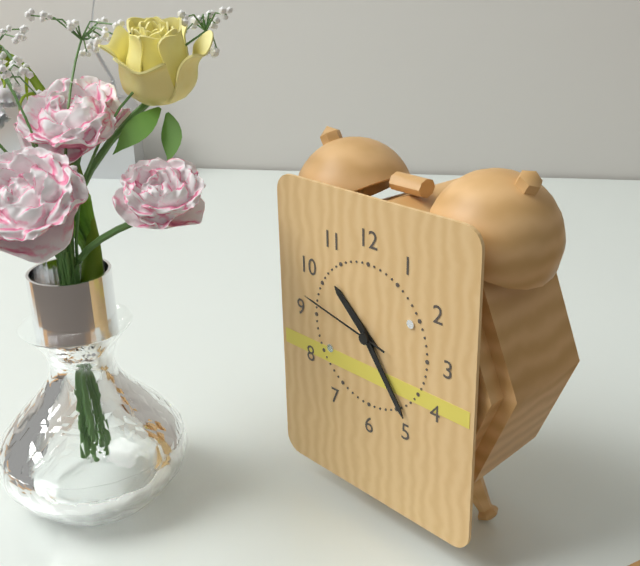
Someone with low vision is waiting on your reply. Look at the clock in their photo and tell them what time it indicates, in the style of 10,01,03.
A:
10,24,47
